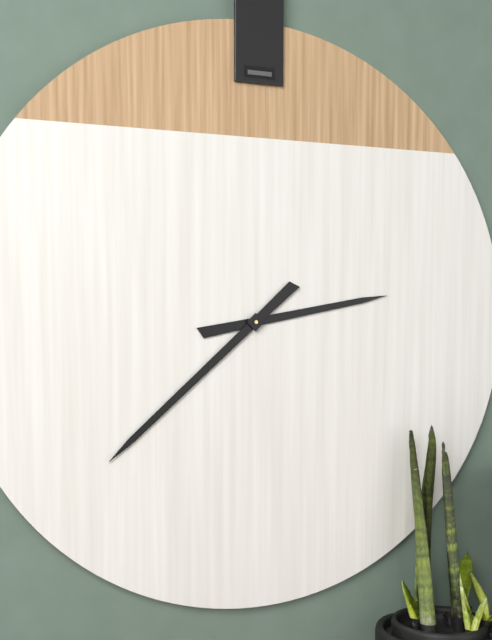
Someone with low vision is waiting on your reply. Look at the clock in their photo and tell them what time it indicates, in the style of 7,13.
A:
2,38
